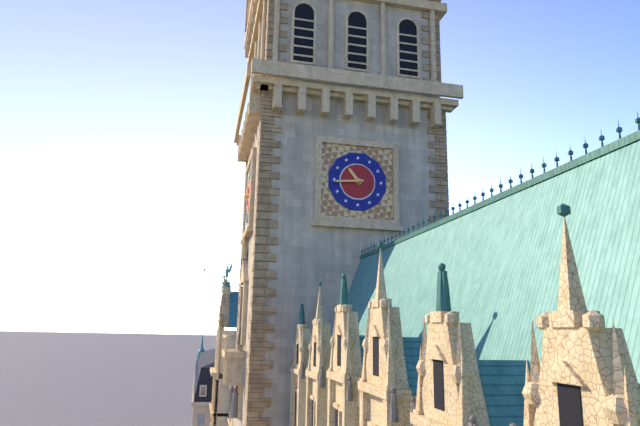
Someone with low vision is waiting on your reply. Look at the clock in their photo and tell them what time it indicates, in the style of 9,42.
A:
10,44
